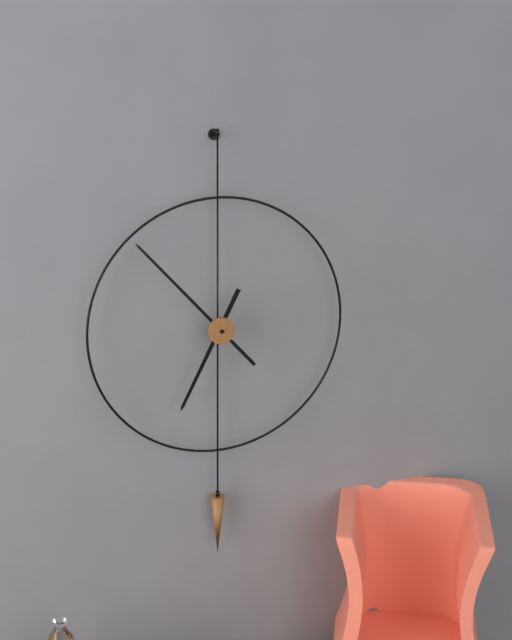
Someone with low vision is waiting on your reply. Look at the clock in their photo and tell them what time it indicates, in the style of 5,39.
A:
6,53
